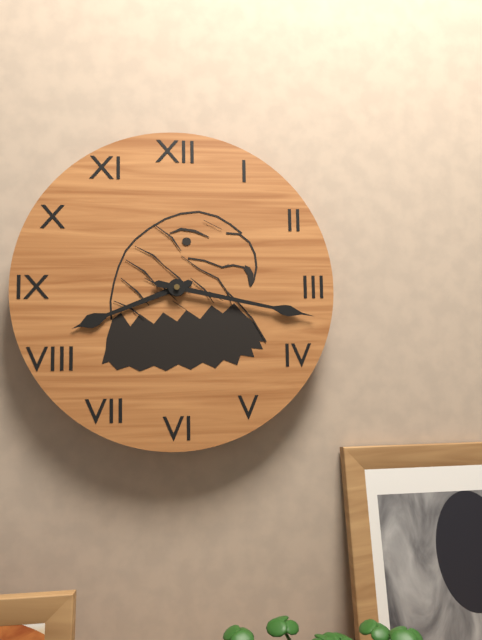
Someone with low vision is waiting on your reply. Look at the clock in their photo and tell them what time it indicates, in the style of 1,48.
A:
8,17
